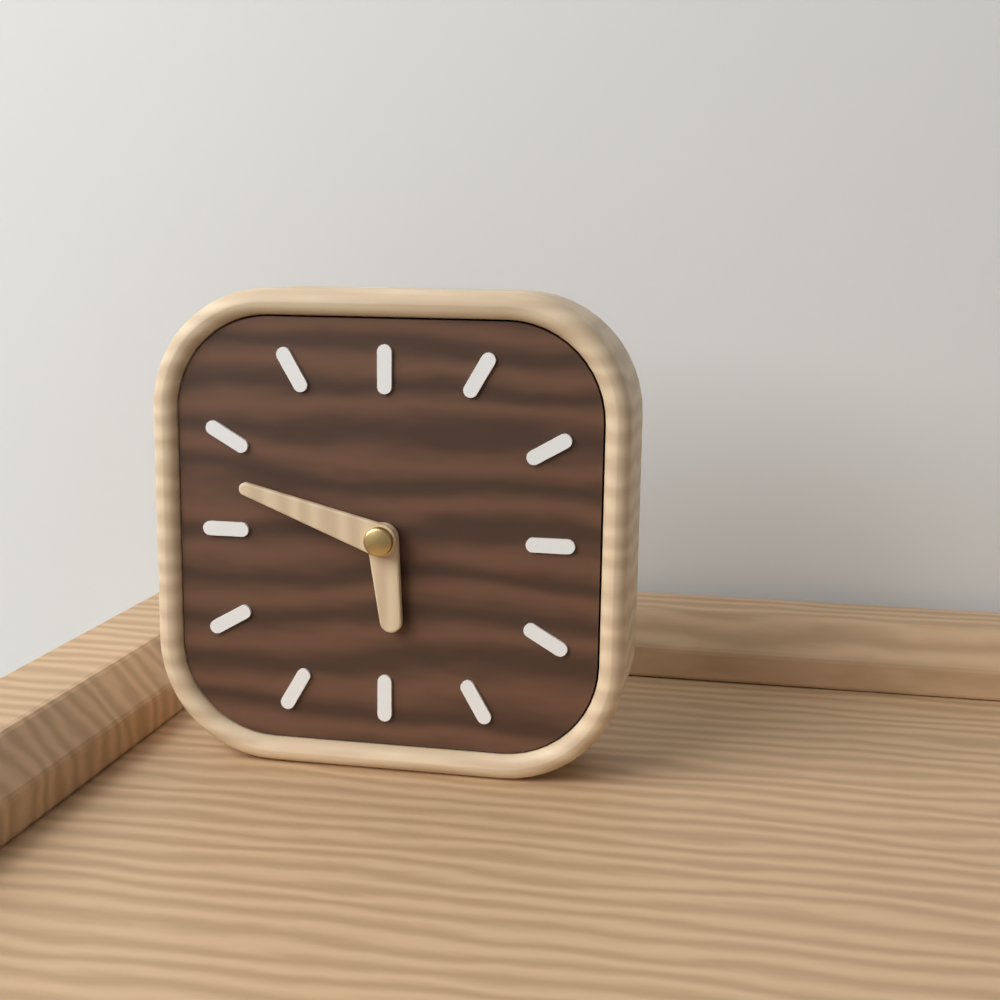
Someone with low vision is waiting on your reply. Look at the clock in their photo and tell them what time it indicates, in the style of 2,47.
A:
5,48
